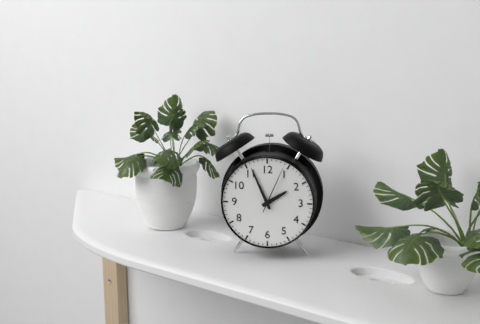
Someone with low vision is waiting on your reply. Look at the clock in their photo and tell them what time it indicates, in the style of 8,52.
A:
1,56
